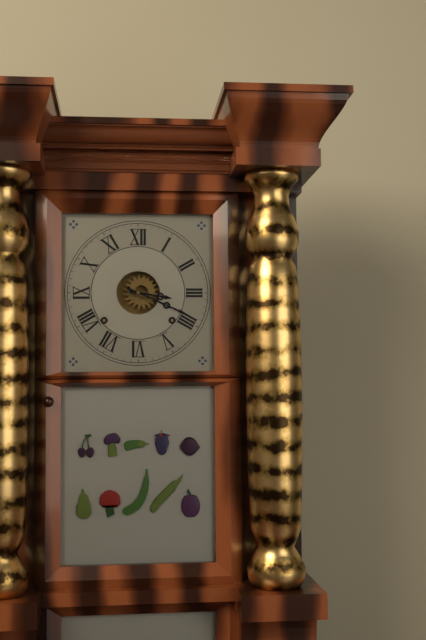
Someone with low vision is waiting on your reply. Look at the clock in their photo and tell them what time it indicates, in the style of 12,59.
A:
3,19
